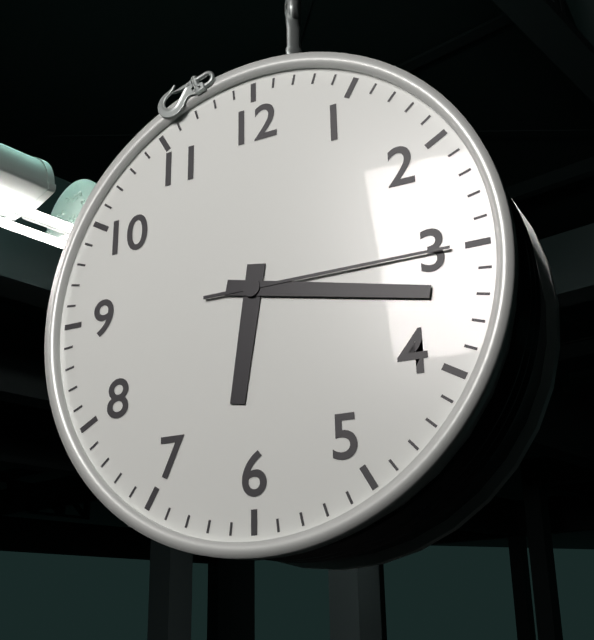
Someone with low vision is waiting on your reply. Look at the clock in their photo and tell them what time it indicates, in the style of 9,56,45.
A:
6,17,15
